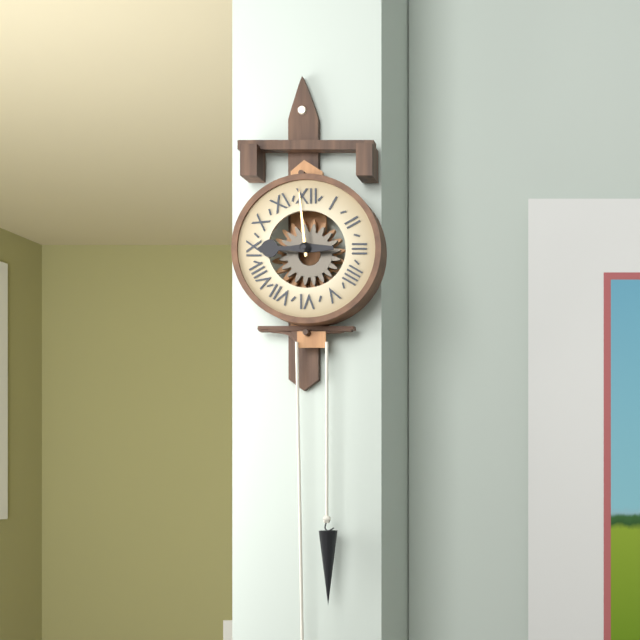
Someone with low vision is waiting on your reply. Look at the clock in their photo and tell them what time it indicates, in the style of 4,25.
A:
8,59
